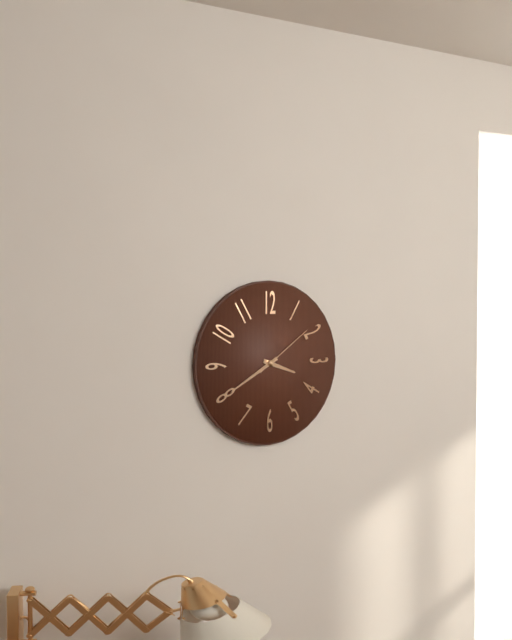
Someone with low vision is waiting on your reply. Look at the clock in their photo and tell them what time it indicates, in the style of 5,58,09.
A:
3,40,09
